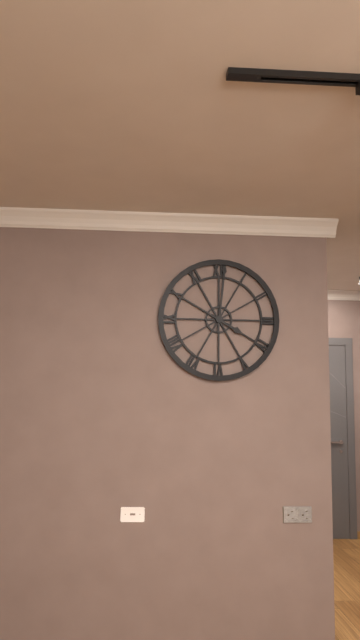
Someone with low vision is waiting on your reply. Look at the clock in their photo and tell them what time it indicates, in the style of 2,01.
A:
4,01
